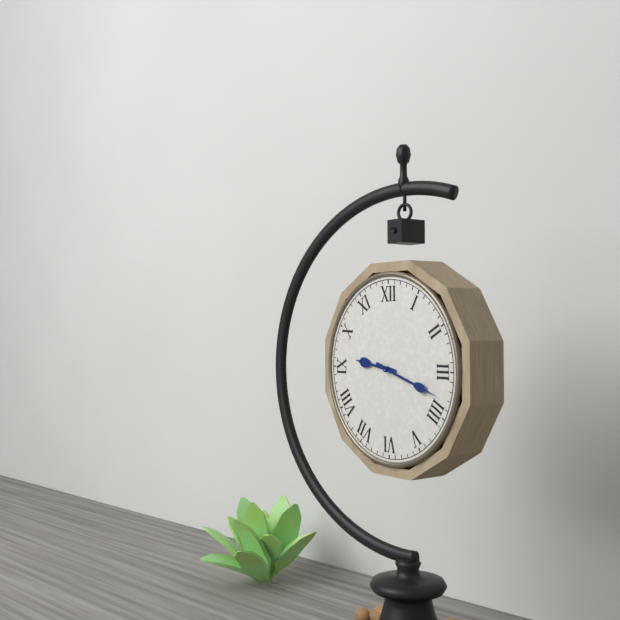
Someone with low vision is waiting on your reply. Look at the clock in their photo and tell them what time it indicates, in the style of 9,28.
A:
9,18
